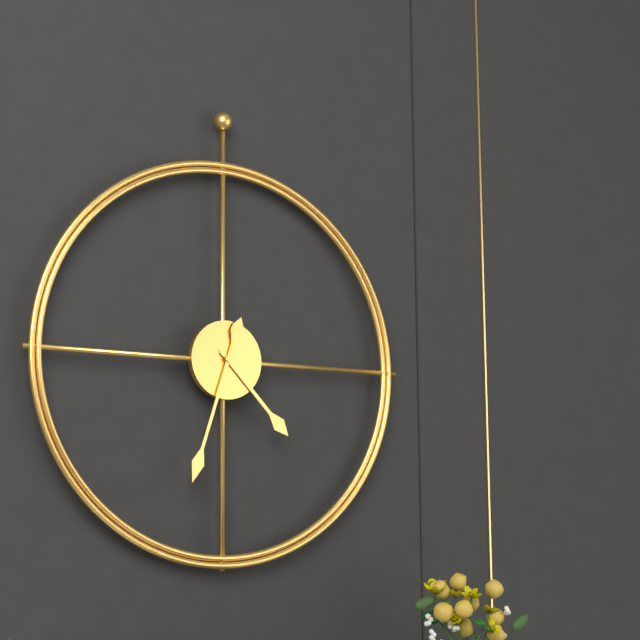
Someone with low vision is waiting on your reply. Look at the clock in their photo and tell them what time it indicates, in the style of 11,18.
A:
4,33
